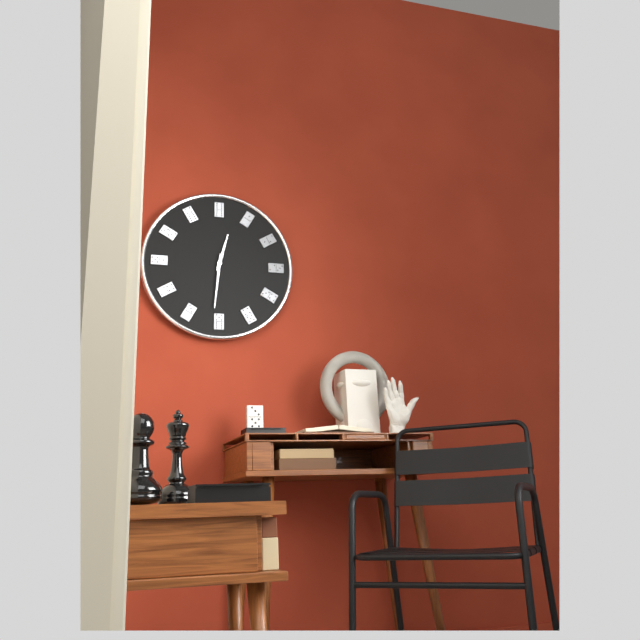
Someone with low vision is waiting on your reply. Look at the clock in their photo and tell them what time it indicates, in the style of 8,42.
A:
12,31
